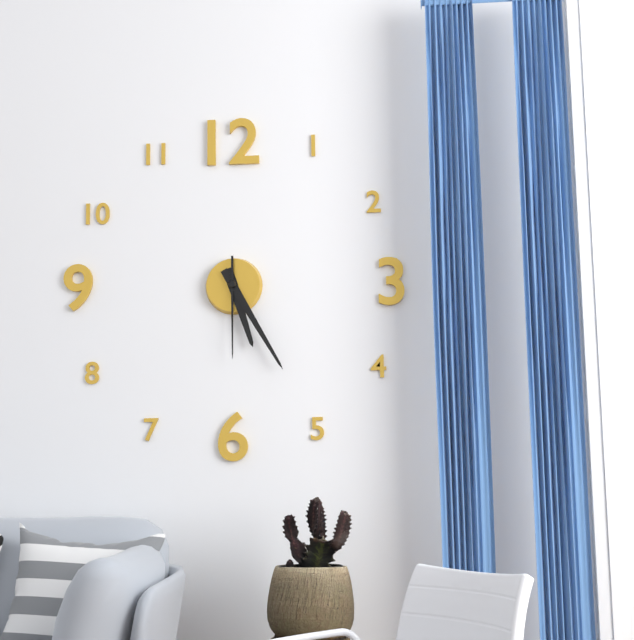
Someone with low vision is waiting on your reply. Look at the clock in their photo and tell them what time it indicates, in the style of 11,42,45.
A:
5,25,30
